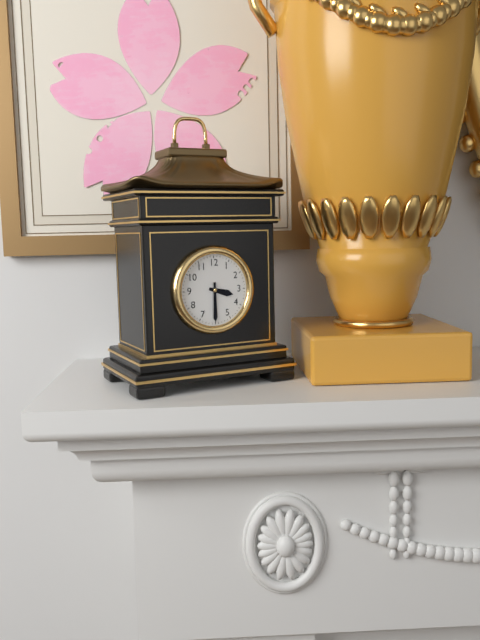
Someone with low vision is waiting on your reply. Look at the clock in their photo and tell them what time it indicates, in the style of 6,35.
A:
3,30
